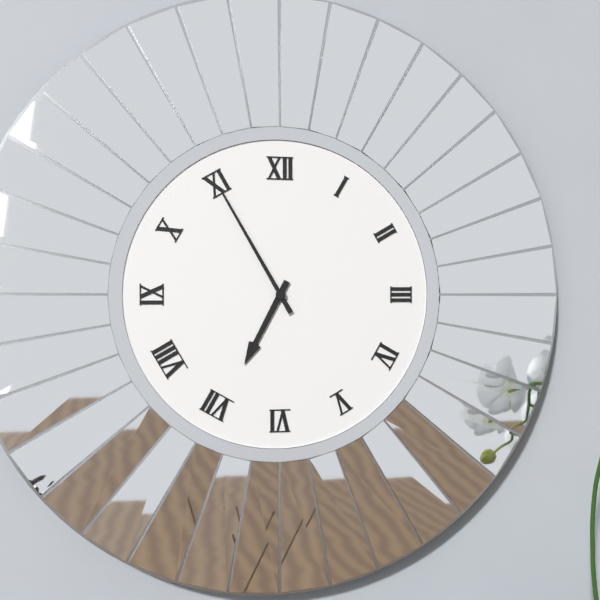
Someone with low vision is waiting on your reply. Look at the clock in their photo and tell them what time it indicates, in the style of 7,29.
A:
6,55
